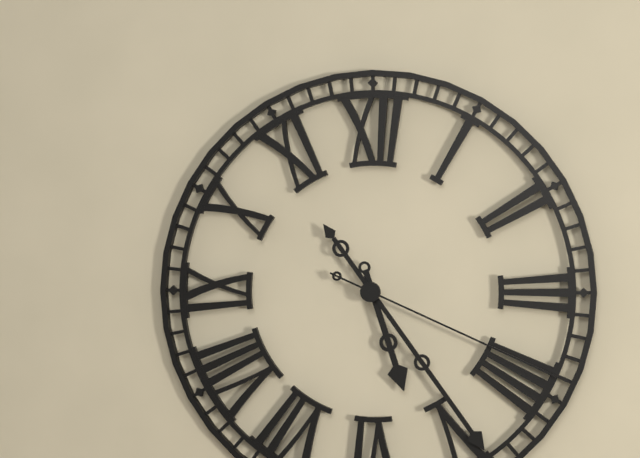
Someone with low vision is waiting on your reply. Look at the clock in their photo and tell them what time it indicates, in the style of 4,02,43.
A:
5,24,19
